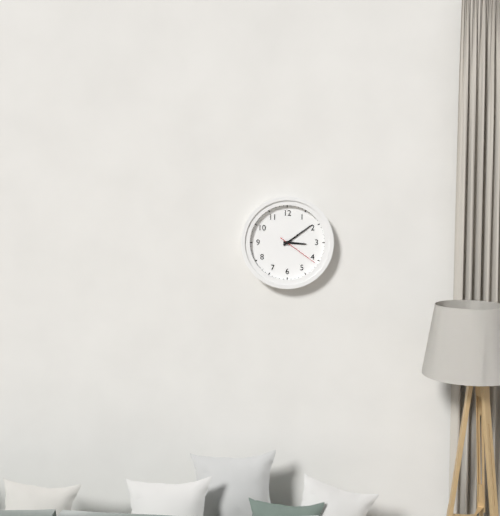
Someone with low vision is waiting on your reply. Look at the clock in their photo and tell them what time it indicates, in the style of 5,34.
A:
3,09
